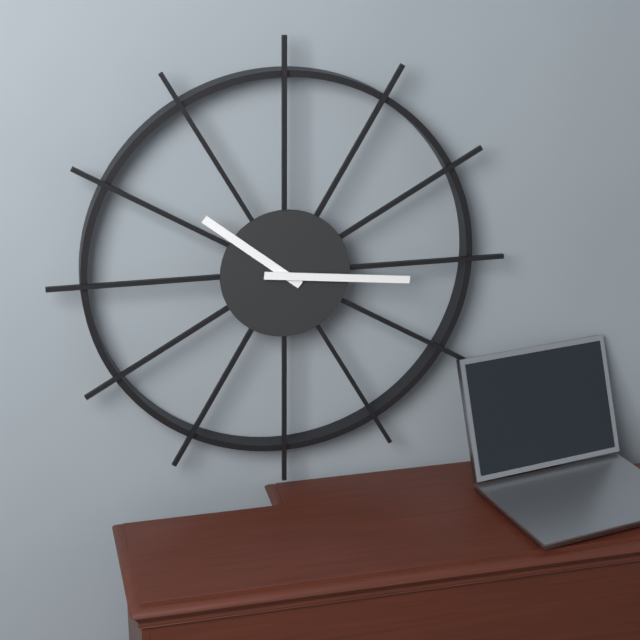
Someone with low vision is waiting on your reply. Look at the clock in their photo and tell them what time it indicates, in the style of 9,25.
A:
10,16
